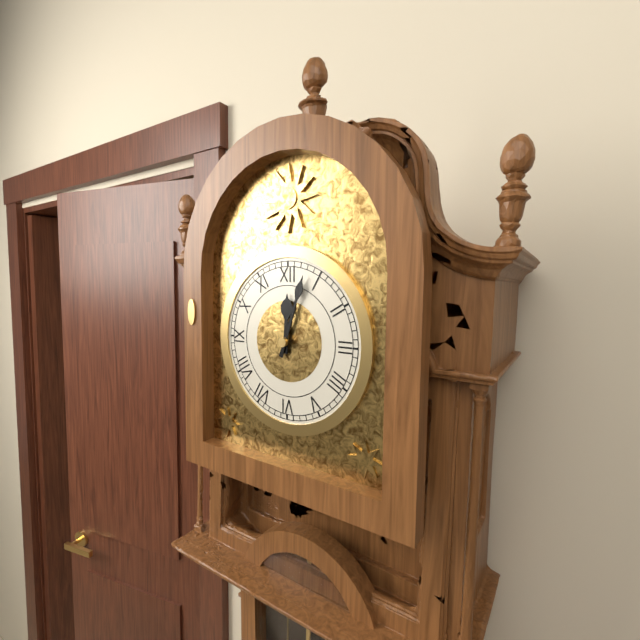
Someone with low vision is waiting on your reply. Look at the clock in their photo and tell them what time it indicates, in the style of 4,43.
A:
12,03
